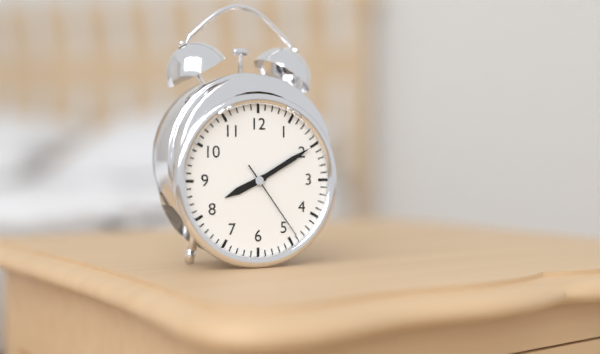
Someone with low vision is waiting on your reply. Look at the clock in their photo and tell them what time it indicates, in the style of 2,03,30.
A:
8,10,24
